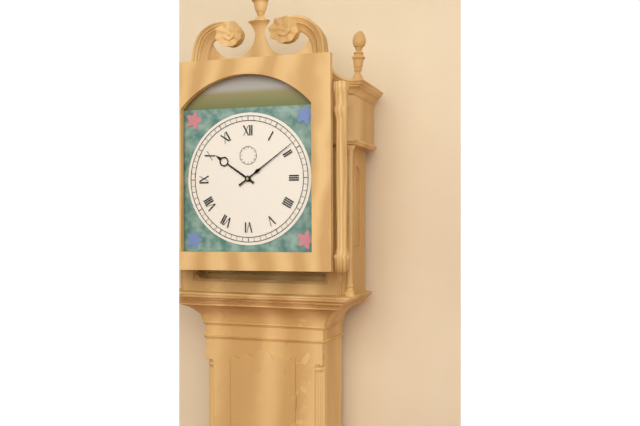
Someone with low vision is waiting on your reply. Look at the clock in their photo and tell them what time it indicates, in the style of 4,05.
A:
10,09
